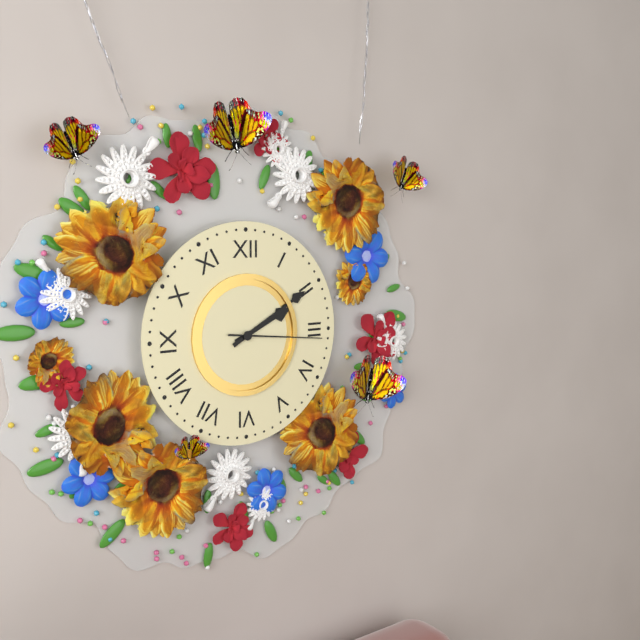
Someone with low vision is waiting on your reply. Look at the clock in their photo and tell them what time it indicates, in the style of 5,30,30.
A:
2,10,16
